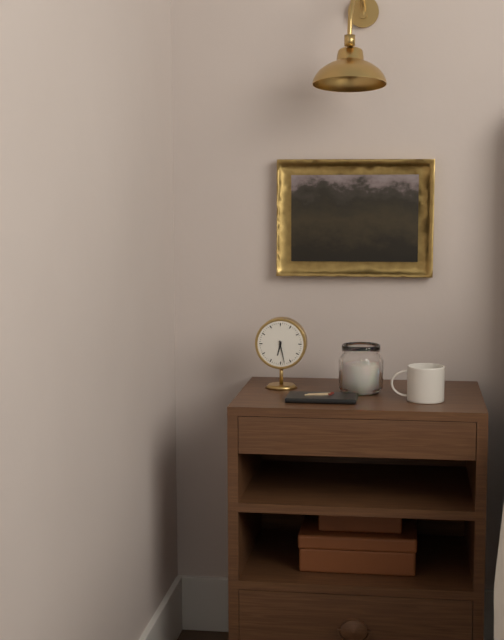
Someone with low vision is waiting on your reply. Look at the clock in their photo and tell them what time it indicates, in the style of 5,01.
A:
6,28
